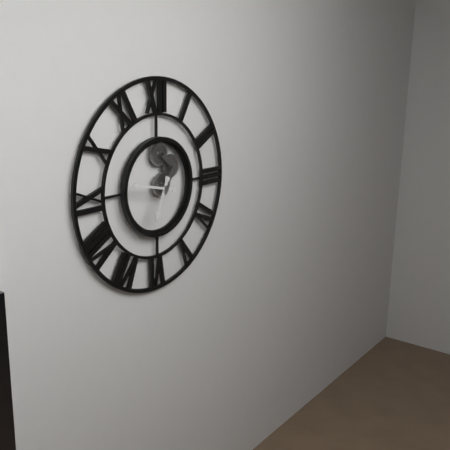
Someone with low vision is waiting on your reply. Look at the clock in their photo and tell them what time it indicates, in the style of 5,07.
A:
6,47
